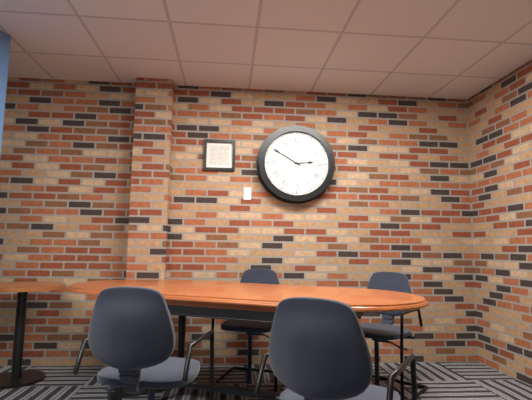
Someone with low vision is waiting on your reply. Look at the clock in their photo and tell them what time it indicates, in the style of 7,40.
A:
2,50
